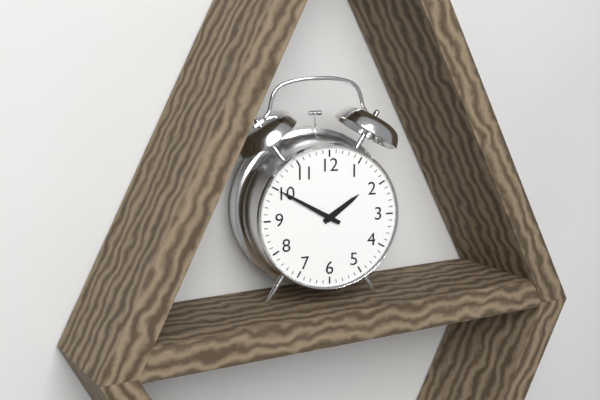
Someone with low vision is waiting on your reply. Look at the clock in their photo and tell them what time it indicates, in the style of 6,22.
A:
1,50
